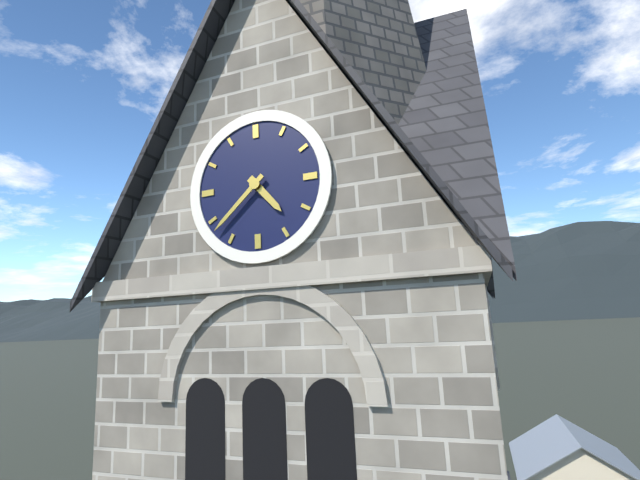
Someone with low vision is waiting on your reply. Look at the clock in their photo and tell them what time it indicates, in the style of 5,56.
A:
4,38
